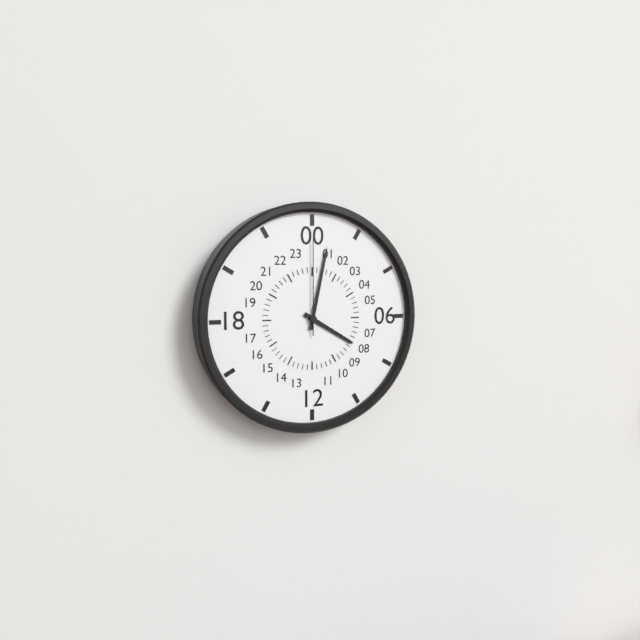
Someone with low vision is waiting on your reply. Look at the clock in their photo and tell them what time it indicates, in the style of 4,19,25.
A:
4,02,00
